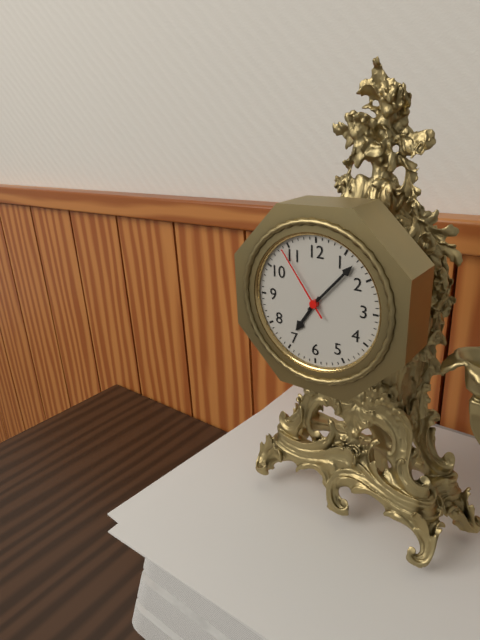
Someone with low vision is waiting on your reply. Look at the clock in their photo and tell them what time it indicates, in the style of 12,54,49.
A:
7,07,54
